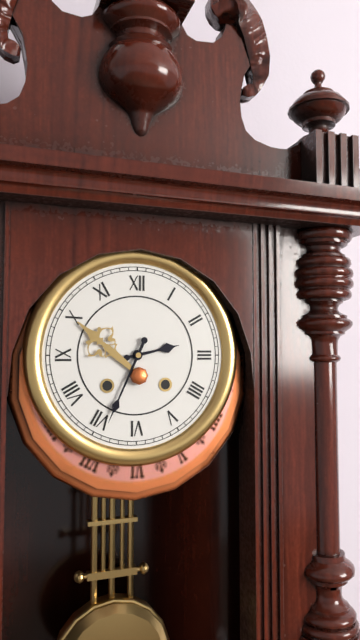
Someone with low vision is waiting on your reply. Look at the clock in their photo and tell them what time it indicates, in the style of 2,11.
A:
2,34
